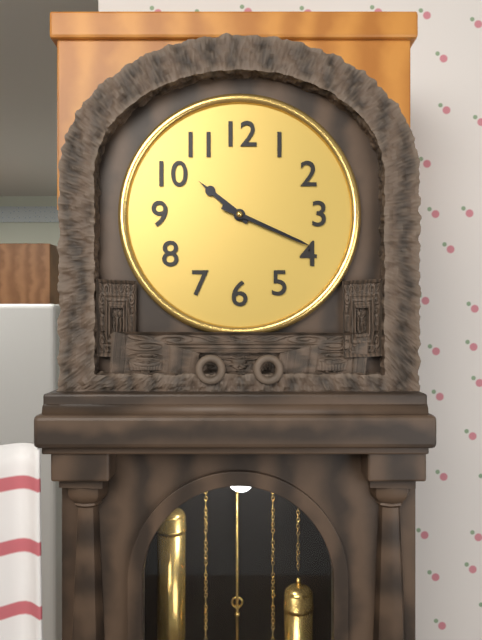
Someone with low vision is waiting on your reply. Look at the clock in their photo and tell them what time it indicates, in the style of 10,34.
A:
10,19
